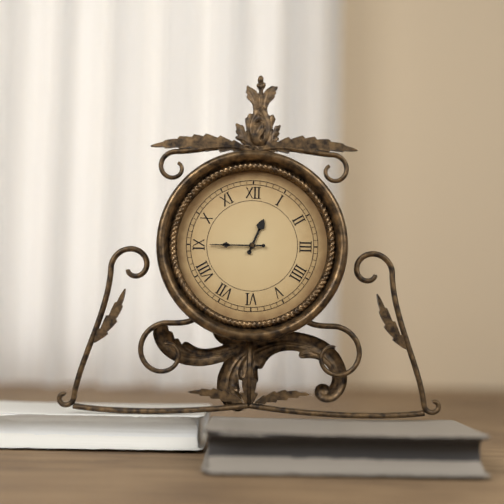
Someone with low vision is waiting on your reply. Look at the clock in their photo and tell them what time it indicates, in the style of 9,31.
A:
12,45
